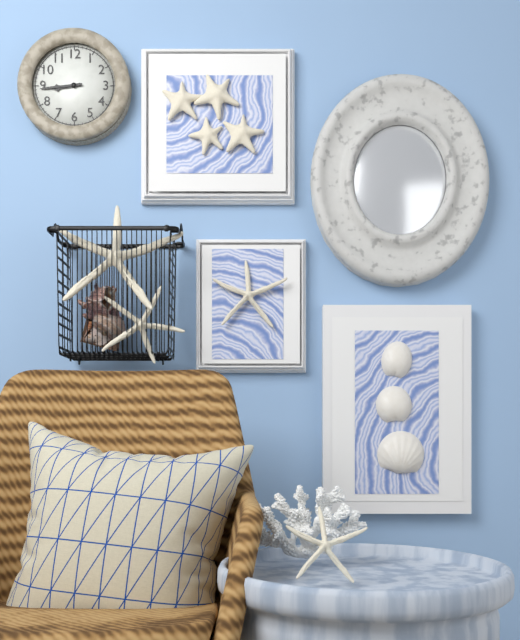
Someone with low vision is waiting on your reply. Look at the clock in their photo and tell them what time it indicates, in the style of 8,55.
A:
8,44
